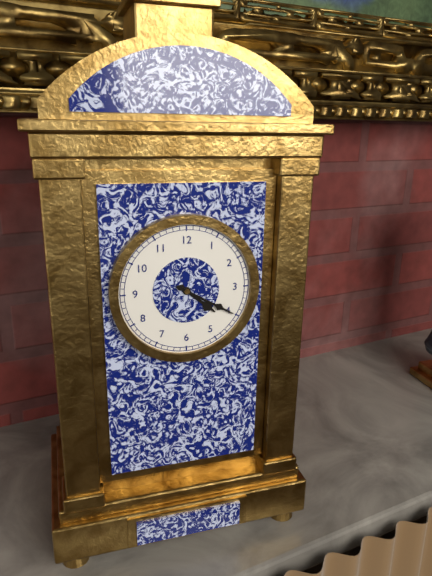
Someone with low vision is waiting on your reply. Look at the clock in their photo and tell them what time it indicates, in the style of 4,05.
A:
4,20
